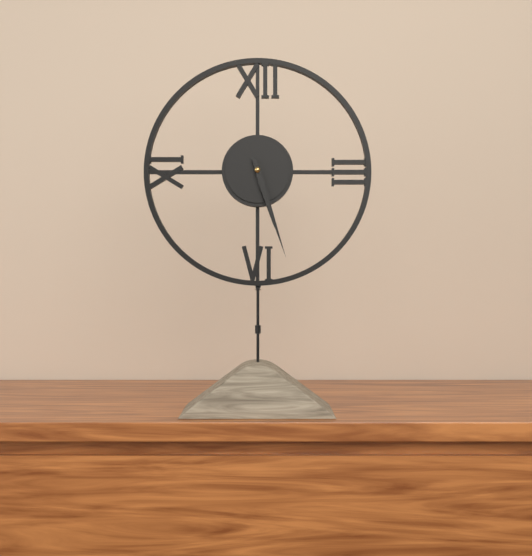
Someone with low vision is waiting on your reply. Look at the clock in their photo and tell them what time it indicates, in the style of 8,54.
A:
5,27
